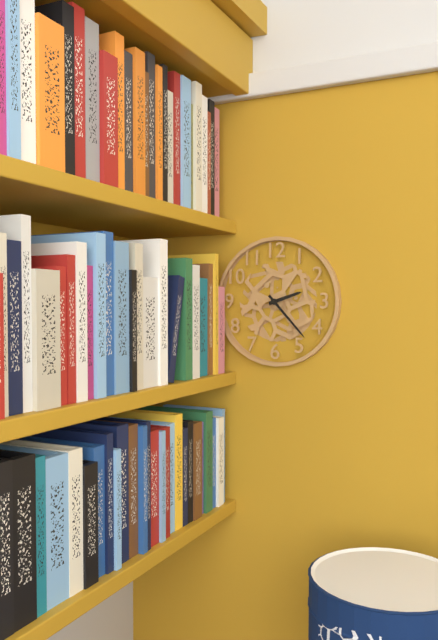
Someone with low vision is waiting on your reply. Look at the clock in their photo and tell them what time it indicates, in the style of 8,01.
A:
2,23
